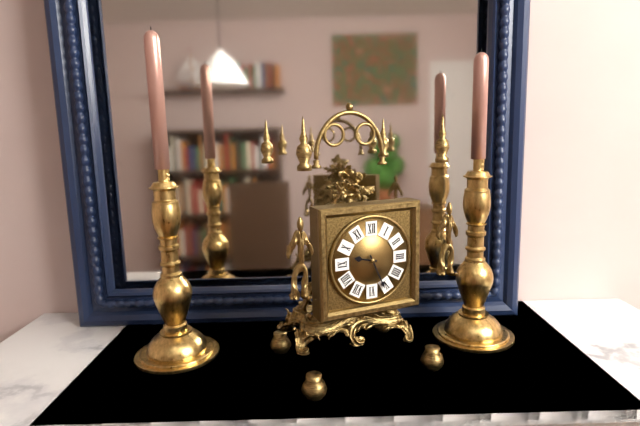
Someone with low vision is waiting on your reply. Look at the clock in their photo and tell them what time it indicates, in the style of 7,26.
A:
9,26
